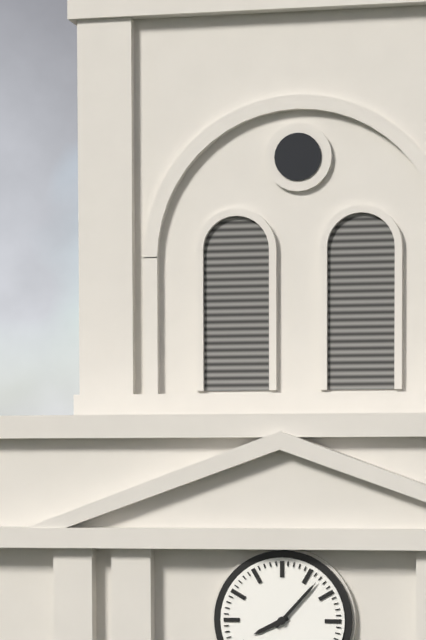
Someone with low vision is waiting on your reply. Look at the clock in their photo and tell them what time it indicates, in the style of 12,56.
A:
8,07
